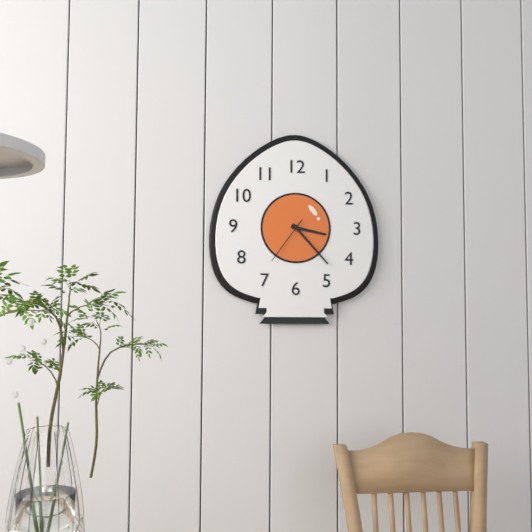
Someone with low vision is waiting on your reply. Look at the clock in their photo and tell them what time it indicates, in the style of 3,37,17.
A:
3,23,36
